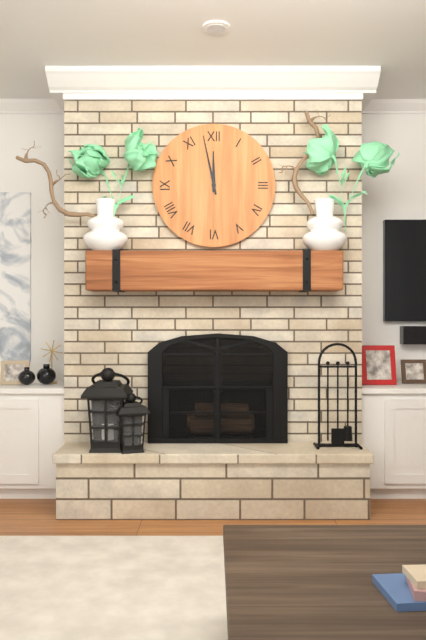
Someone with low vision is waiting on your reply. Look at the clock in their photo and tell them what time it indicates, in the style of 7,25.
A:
11,58
